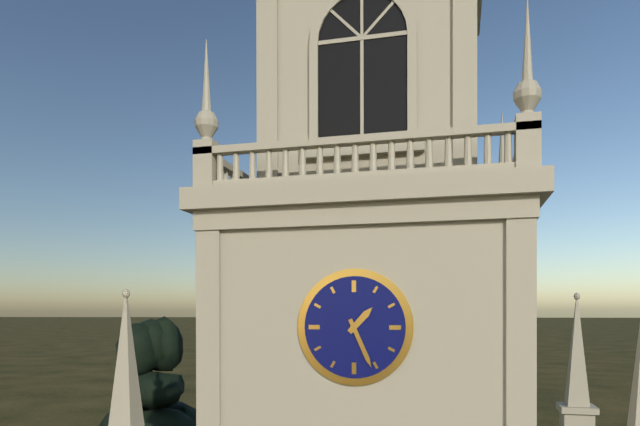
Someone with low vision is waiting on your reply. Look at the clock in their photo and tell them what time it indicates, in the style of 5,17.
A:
1,26
